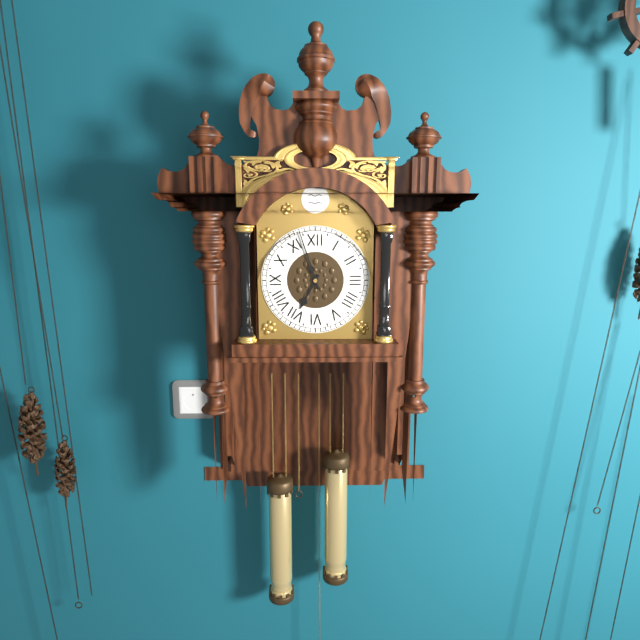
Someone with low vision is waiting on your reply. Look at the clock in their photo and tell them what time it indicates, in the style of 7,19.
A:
6,57
